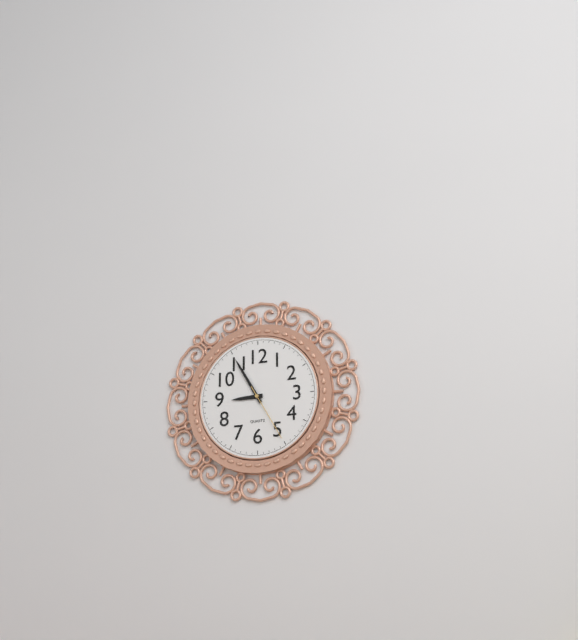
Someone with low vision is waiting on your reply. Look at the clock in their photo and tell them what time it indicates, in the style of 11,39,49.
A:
8,55,25
